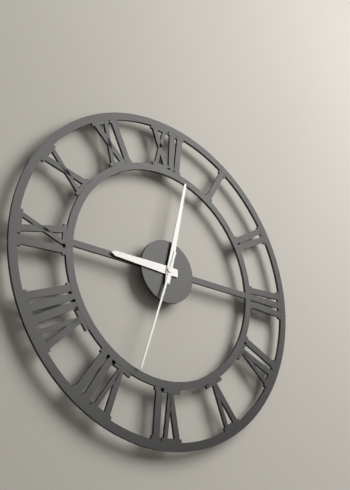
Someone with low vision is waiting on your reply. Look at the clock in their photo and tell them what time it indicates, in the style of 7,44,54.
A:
9,02,33
